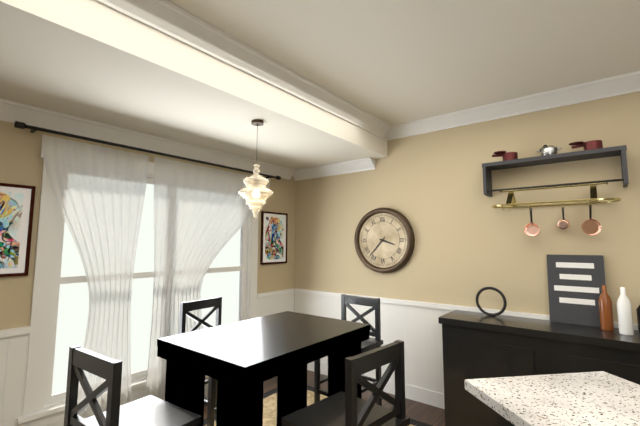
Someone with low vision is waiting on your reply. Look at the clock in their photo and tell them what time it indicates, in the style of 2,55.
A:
3,37
